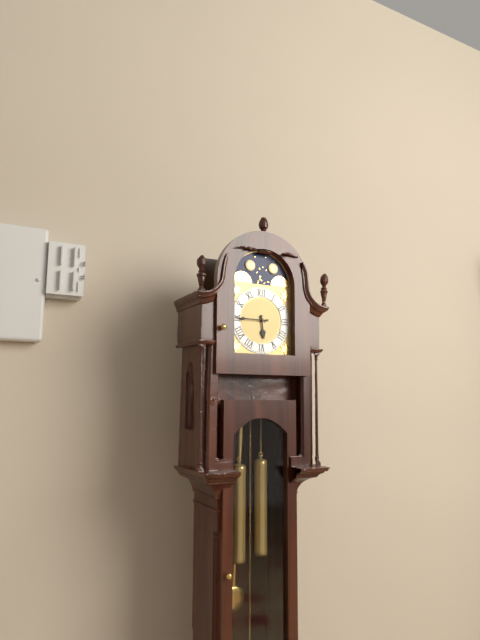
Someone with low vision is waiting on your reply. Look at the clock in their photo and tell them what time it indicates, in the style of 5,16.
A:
5,45
